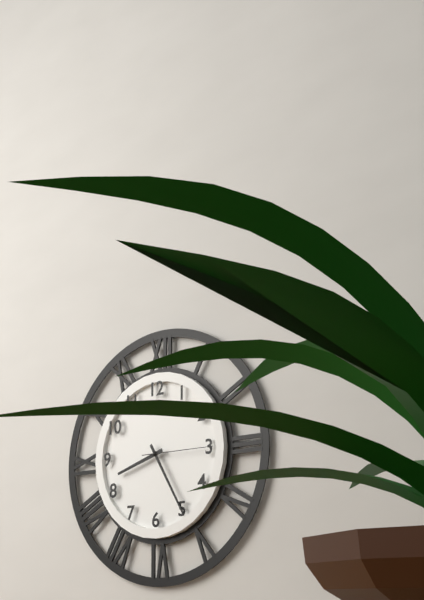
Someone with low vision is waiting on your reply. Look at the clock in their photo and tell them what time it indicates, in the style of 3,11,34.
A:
8,25,15
